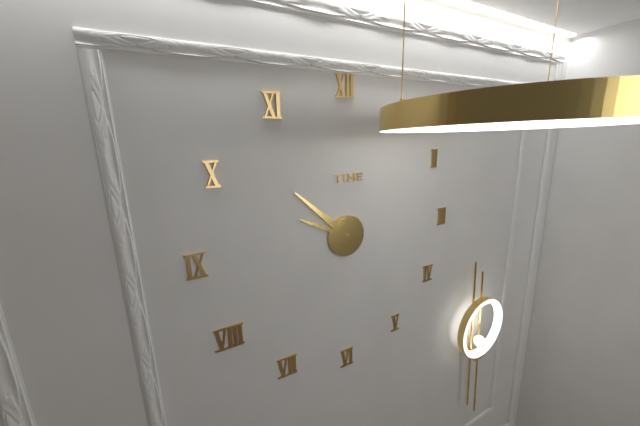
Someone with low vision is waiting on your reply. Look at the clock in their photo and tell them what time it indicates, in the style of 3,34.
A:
9,52
